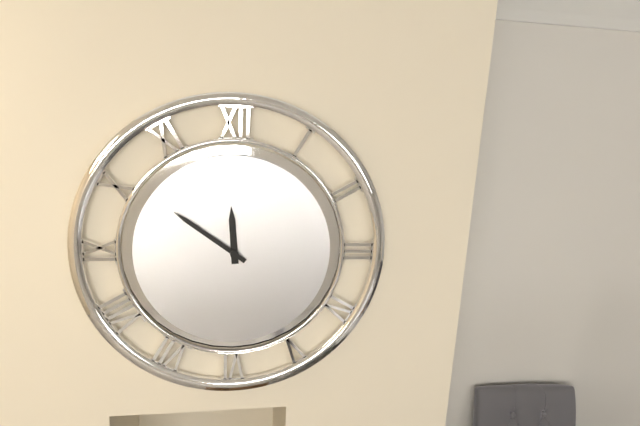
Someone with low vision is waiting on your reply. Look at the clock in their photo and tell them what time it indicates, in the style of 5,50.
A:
11,51
